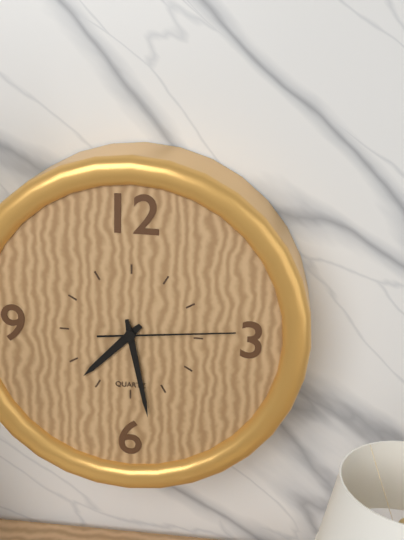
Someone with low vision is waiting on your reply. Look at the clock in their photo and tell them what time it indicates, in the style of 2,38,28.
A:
7,28,14
